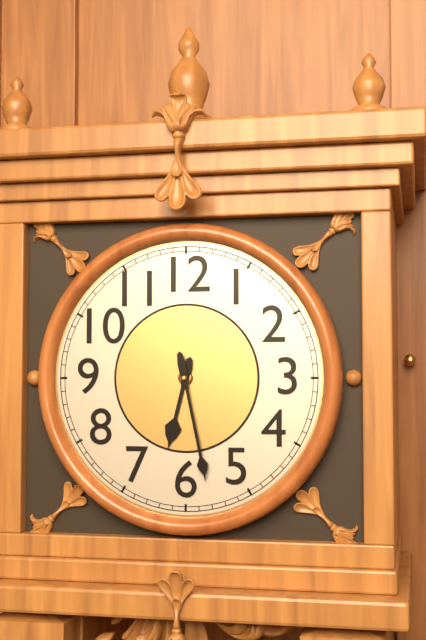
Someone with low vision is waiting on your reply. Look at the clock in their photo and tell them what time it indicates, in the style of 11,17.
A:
6,28
